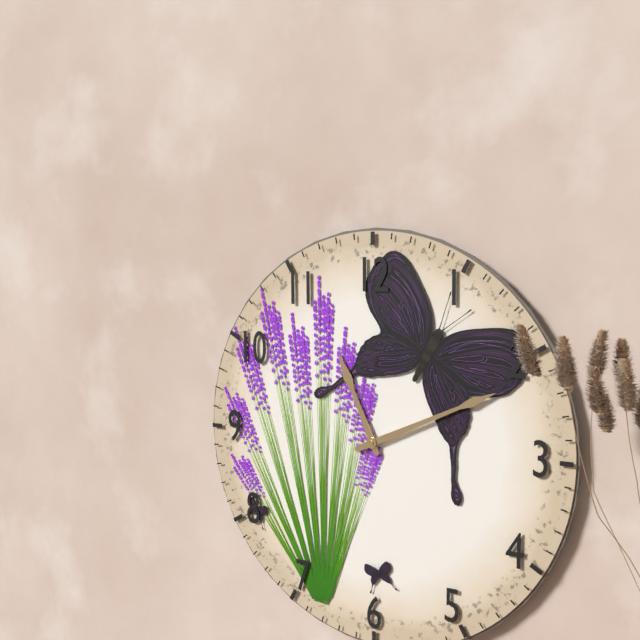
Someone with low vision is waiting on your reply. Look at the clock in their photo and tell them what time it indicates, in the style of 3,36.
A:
11,11
